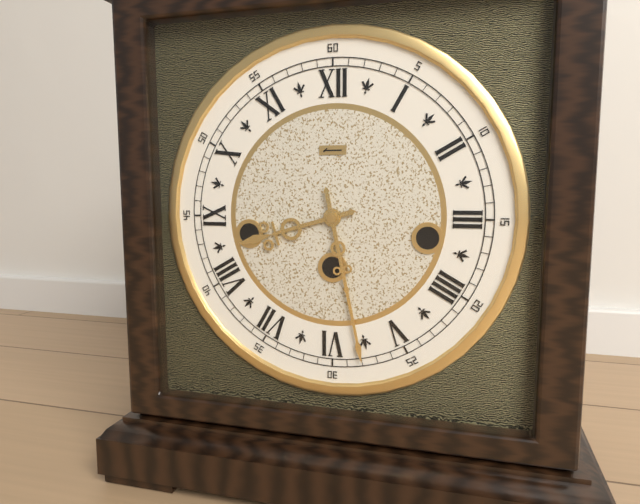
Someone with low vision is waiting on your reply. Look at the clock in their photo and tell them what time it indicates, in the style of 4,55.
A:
8,28
